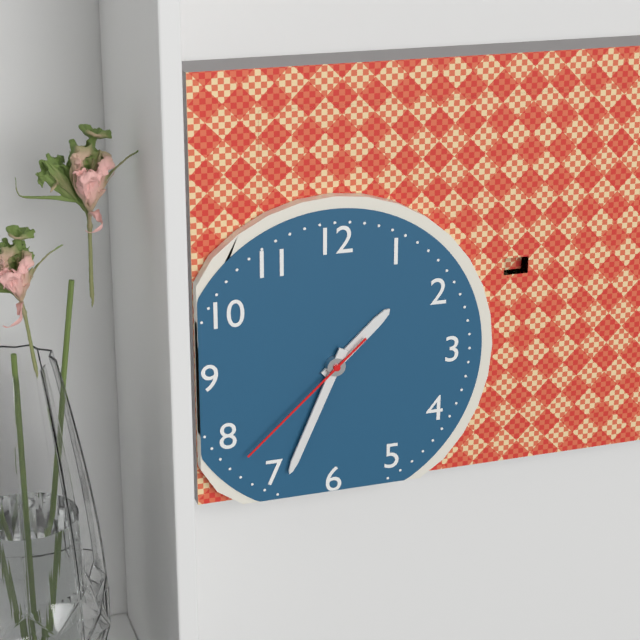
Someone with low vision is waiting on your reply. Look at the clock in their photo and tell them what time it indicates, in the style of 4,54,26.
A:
1,34,38
